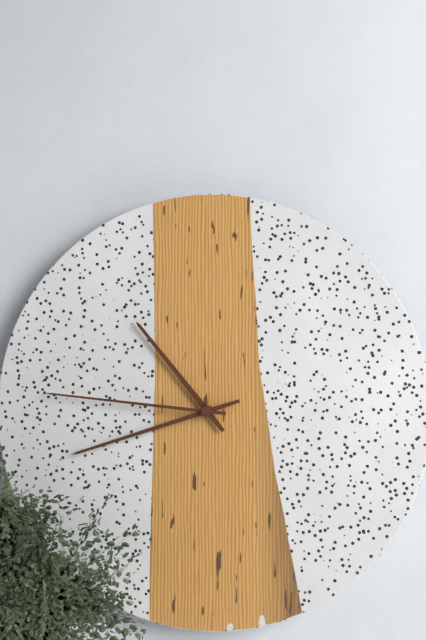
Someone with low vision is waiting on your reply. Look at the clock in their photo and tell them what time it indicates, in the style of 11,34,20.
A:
10,42,46
